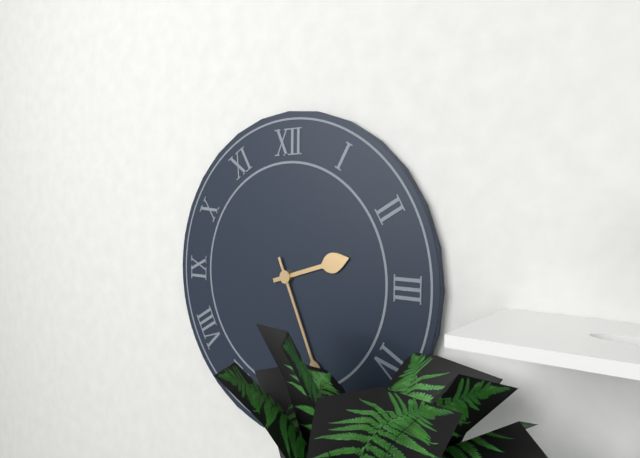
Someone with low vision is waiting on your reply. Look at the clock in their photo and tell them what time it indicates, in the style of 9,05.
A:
2,26
